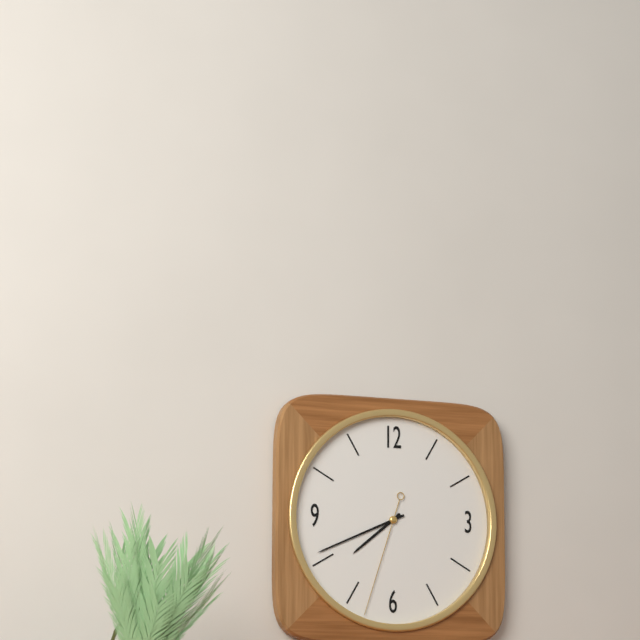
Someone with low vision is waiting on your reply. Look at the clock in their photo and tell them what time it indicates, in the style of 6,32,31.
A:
7,41,33
